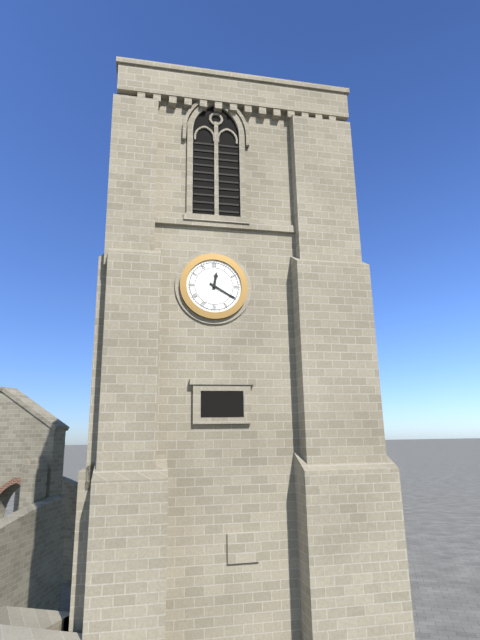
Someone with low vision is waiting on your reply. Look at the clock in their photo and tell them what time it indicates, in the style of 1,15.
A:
12,20
